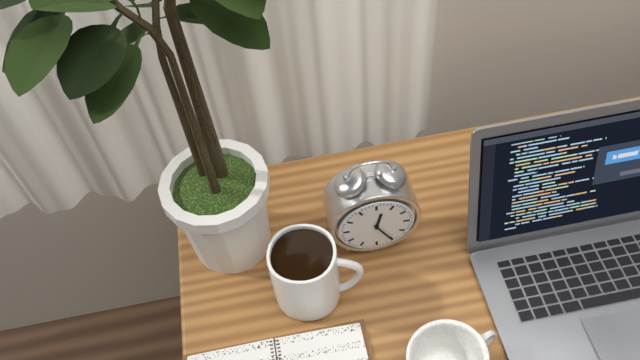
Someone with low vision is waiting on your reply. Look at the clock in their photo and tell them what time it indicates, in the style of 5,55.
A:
12,25
